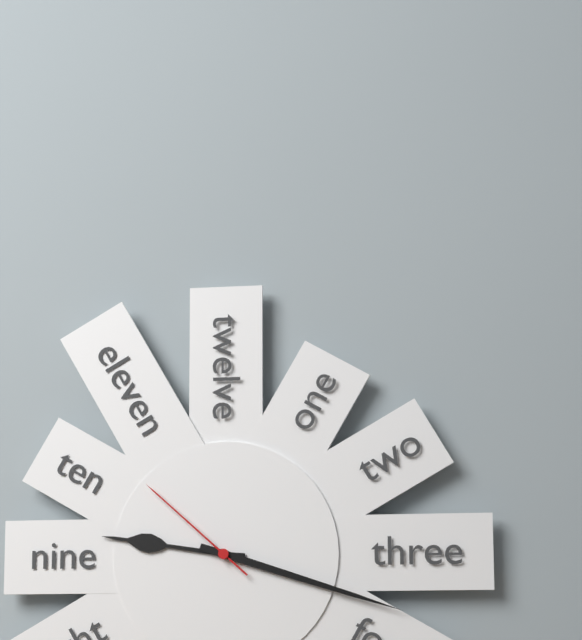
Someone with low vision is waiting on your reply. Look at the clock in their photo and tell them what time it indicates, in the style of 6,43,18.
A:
9,18,52
